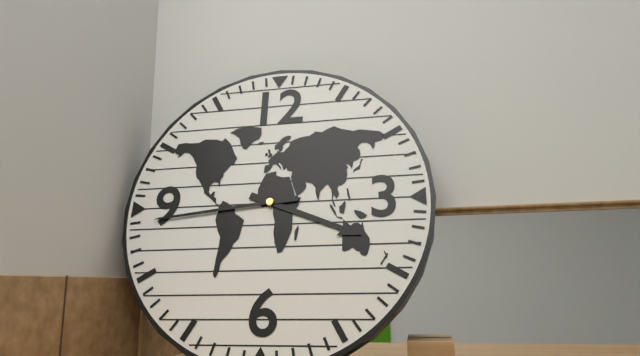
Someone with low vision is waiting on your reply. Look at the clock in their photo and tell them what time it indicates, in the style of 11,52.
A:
3,44
